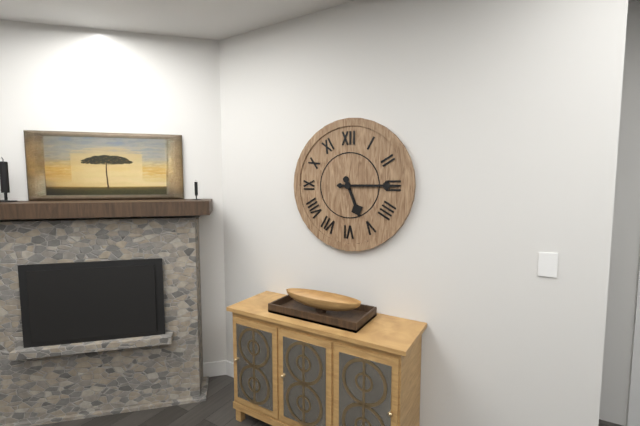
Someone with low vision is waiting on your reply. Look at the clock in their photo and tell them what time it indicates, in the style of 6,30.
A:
5,15
